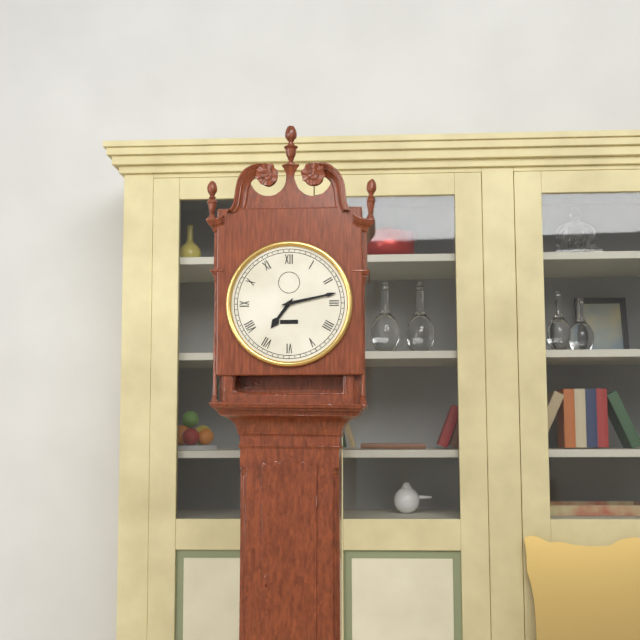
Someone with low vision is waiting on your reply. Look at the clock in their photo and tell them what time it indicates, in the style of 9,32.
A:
7,13
